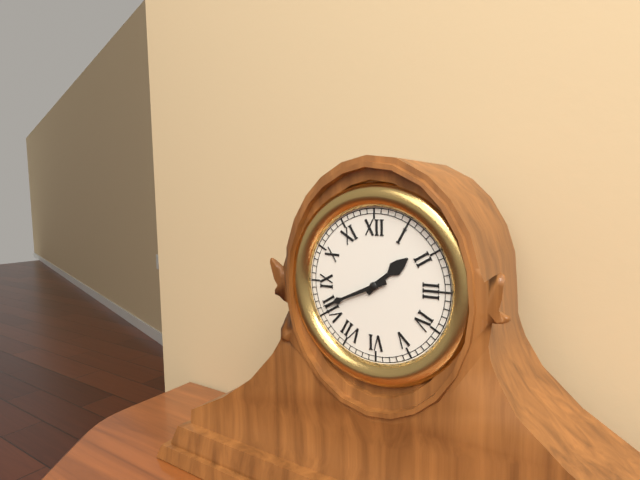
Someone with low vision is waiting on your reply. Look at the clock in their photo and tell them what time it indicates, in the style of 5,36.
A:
1,41
